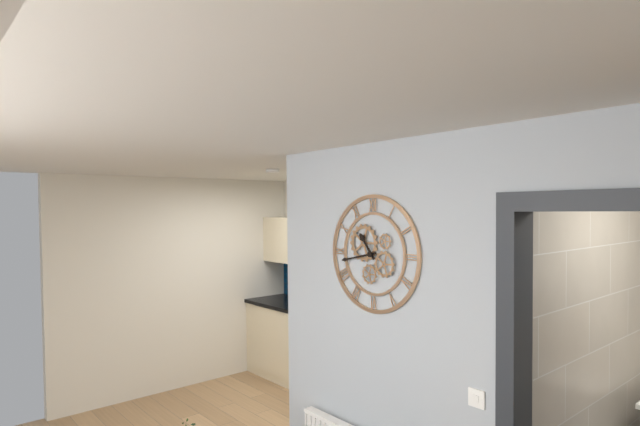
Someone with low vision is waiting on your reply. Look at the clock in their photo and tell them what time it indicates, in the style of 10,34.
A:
10,43
